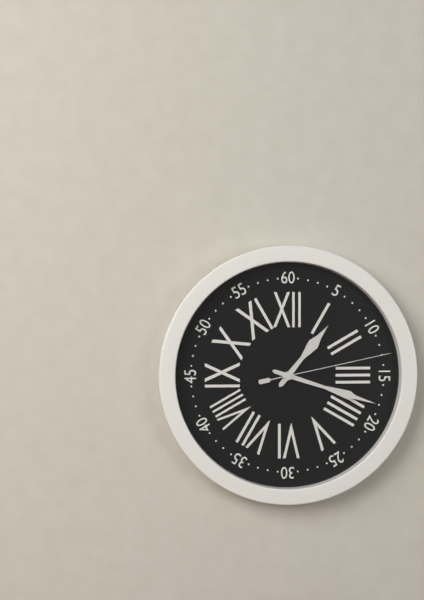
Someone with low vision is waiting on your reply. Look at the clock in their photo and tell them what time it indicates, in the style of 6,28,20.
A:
1,18,13
